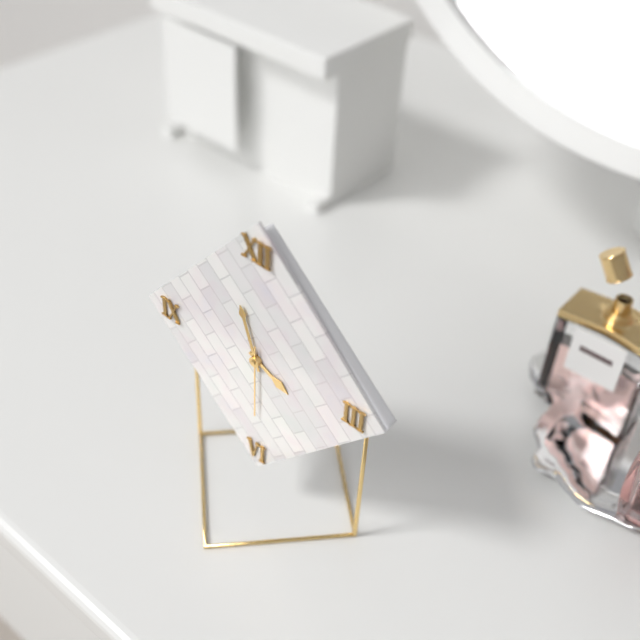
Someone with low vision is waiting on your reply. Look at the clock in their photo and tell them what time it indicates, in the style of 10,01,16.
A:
3,57,30
